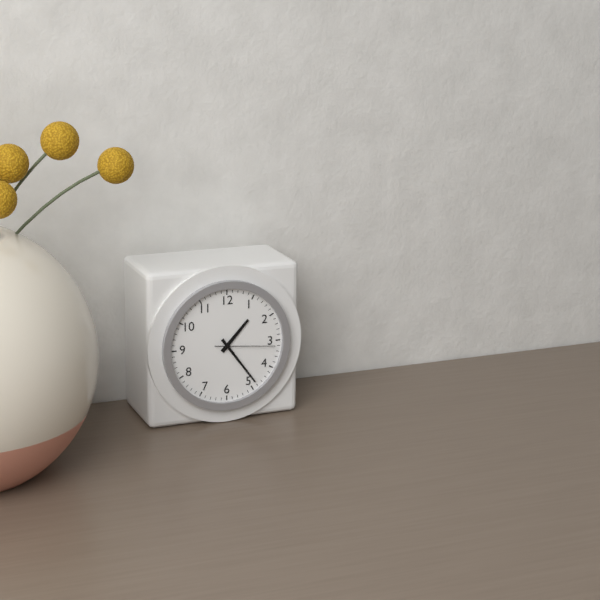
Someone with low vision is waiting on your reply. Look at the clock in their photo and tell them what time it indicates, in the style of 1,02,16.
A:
1,24,16
